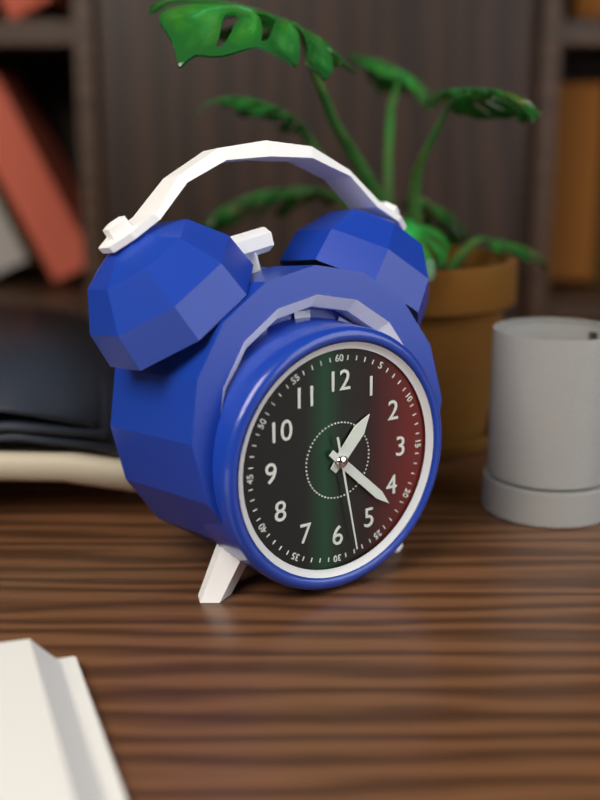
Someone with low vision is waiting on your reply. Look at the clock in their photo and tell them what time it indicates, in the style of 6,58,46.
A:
1,22,28
